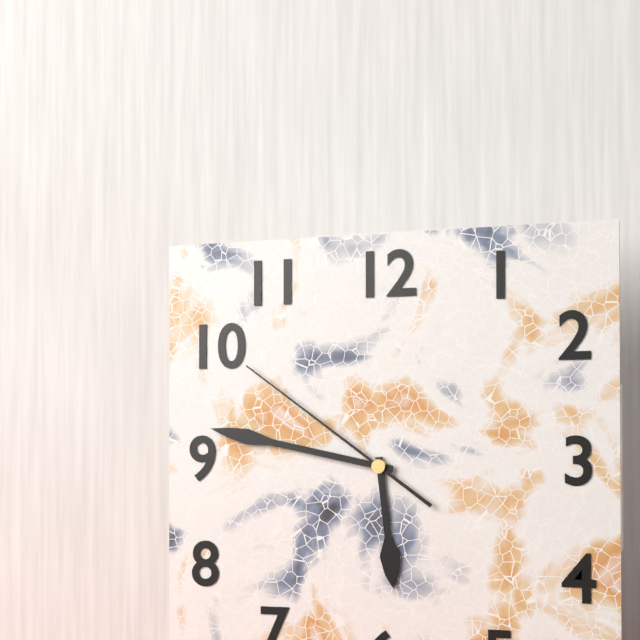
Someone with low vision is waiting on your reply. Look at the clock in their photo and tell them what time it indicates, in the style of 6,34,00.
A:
5,47,51
